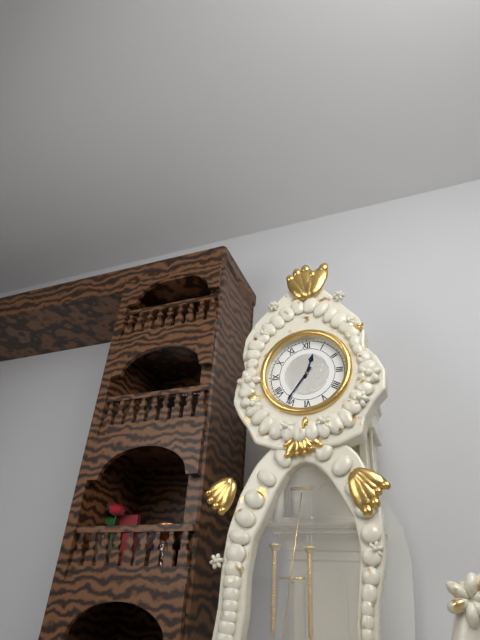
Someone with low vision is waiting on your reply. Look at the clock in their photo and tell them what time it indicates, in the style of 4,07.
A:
12,36
